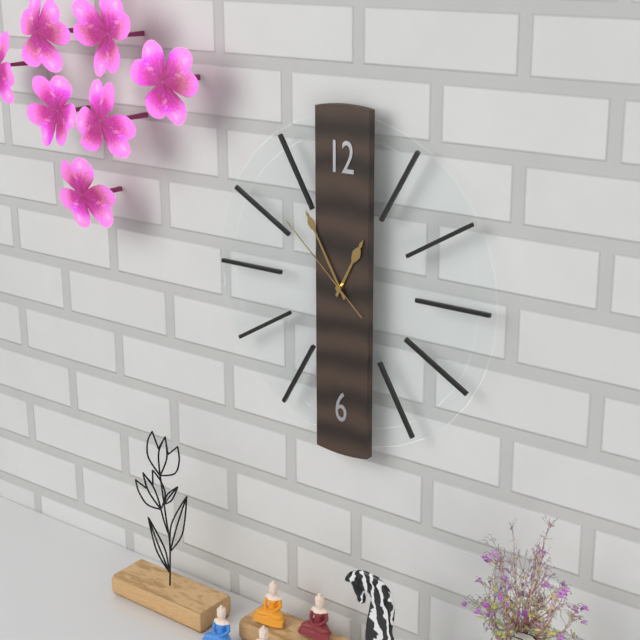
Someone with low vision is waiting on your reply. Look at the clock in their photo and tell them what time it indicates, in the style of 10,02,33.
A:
12,55,52
